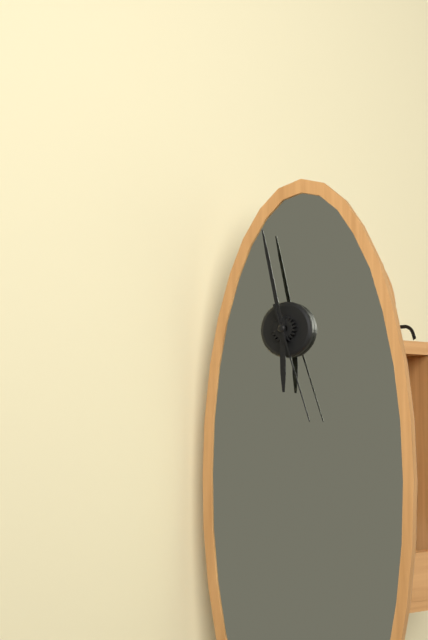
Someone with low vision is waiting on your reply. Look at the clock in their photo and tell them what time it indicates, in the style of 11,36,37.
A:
5,58,27
